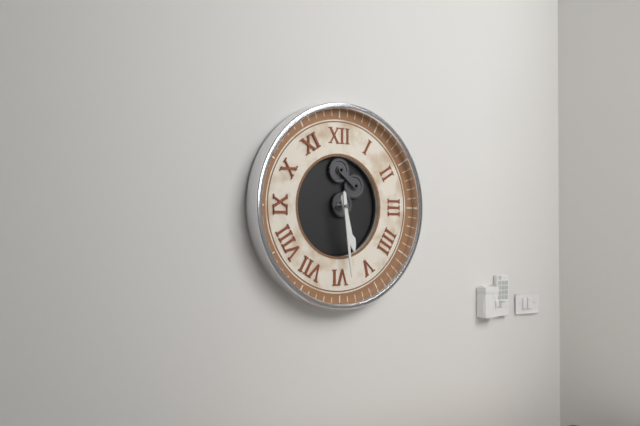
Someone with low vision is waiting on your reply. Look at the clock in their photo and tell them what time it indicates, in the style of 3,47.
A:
5,29
